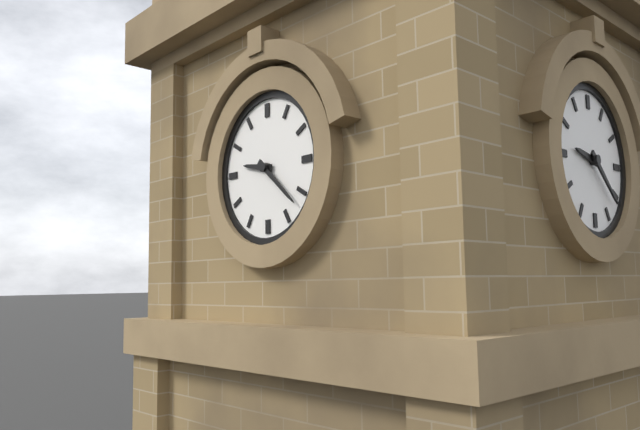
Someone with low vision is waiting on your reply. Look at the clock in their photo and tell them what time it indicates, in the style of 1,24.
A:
9,22
